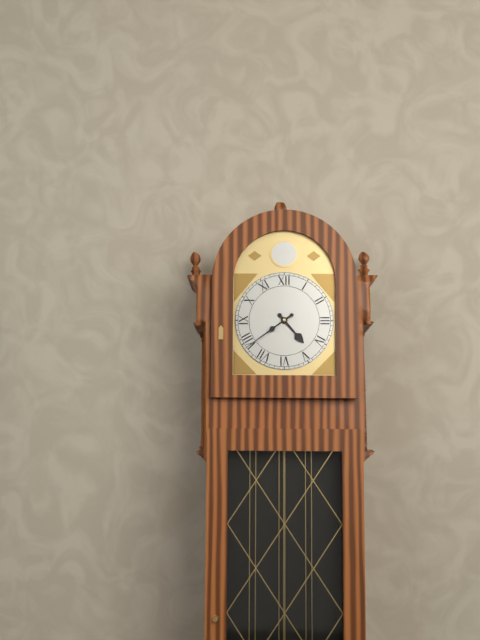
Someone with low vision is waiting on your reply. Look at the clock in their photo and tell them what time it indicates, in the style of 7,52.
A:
4,39
